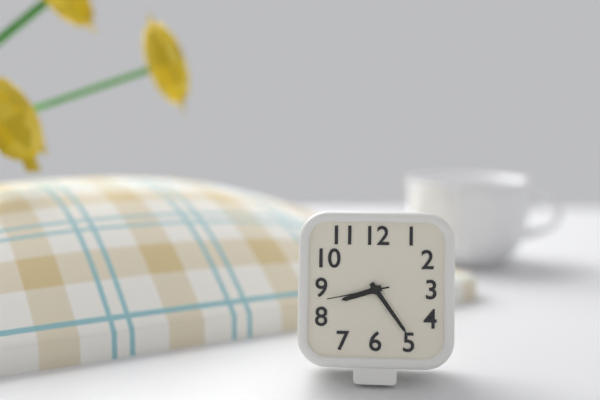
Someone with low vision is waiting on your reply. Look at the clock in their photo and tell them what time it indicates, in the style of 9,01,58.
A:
8,24,43
